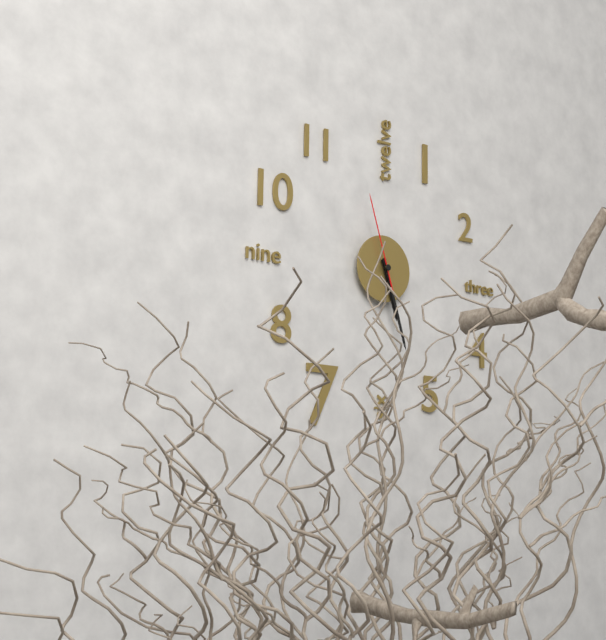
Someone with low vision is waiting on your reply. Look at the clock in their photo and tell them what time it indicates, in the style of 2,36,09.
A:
5,27,57
